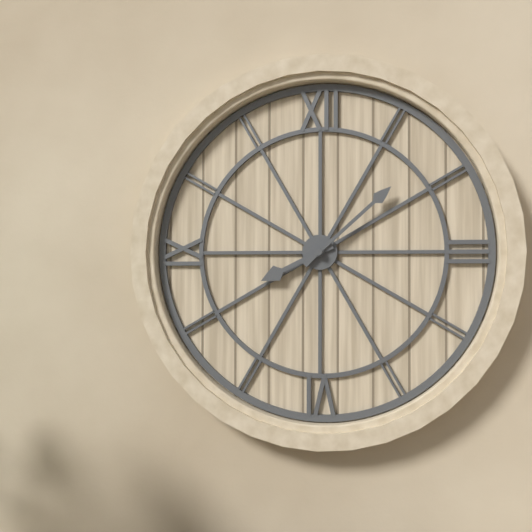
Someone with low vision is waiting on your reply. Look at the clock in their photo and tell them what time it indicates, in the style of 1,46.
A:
8,08
